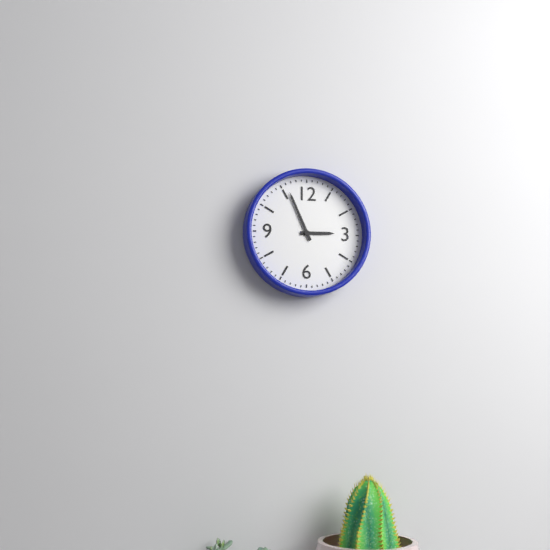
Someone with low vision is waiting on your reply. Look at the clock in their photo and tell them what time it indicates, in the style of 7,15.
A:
2,56
